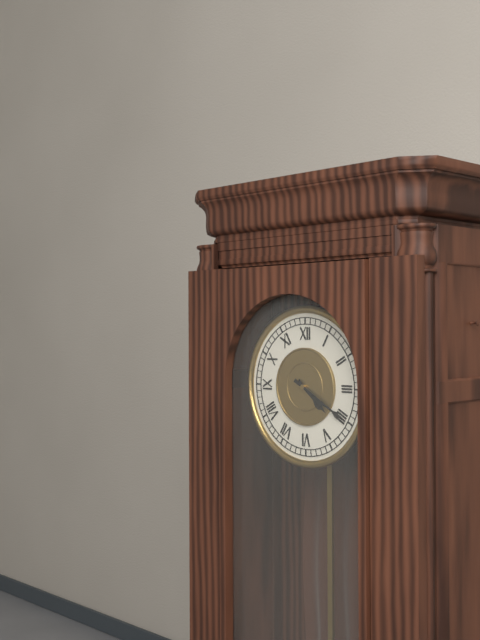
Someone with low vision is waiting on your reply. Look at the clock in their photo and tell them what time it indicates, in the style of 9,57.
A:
4,20
